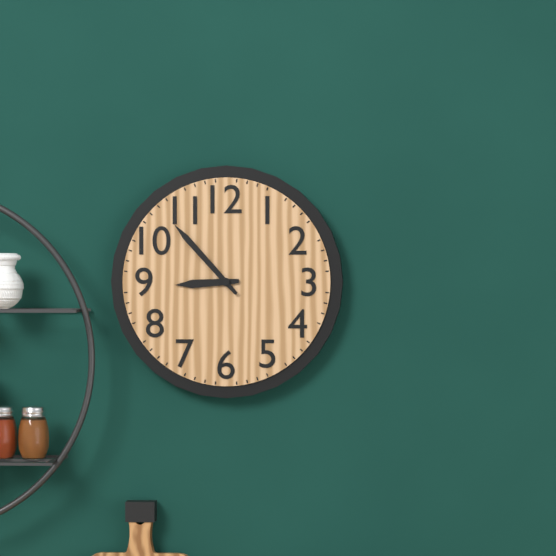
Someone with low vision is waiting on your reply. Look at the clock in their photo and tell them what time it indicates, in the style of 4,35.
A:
8,53
